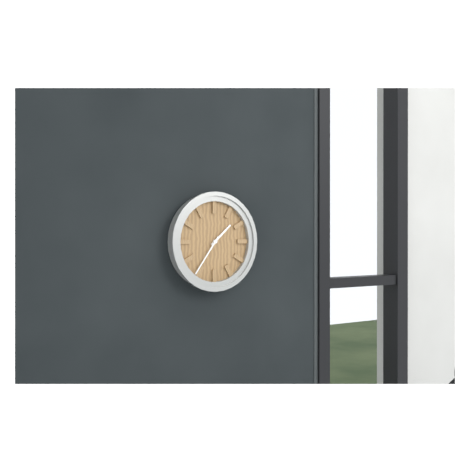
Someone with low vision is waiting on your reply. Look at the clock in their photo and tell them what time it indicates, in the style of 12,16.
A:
1,36
